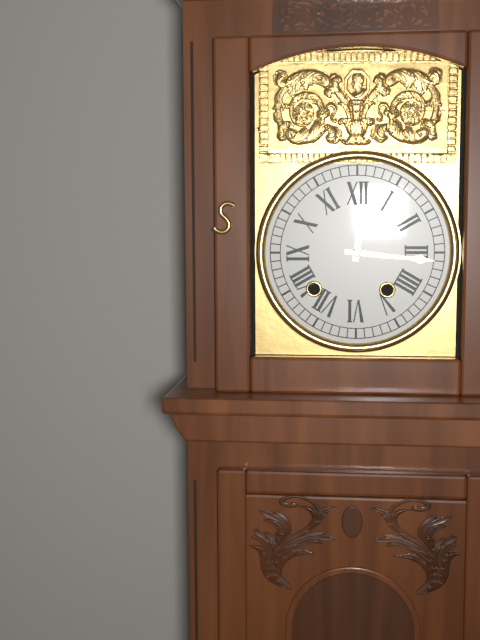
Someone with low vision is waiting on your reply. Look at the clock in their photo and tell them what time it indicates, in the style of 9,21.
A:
12,16
